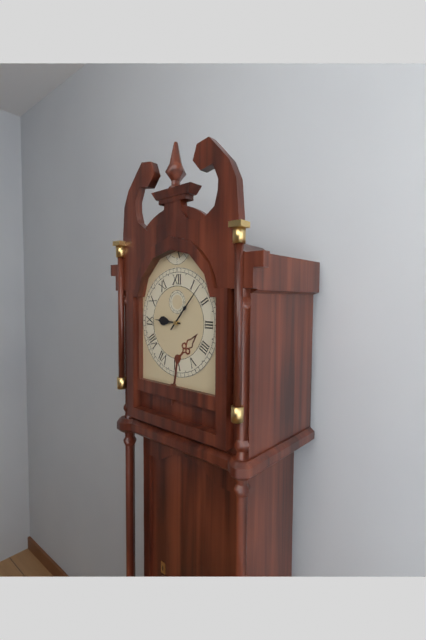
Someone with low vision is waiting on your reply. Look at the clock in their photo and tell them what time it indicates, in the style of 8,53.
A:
9,07
